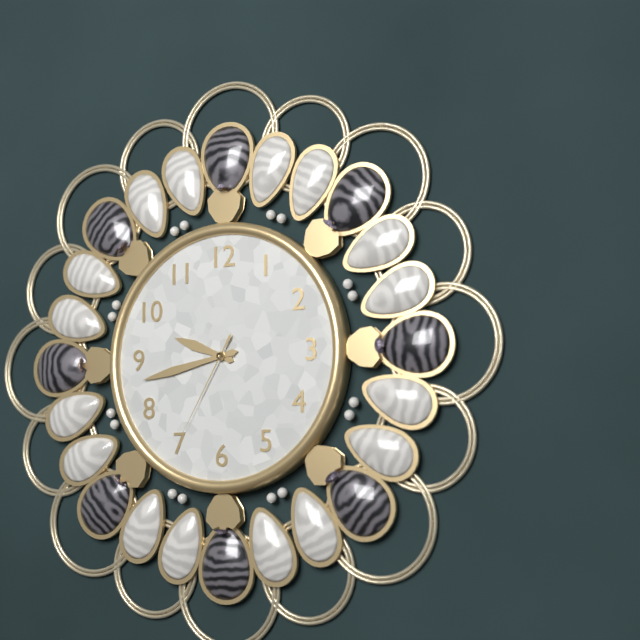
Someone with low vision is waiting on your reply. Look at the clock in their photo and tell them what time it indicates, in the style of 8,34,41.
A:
9,43,35
